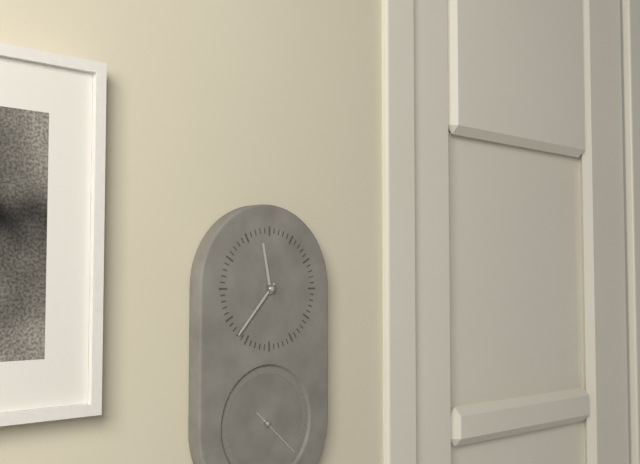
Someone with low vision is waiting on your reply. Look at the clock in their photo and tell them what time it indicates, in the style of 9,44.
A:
11,37
